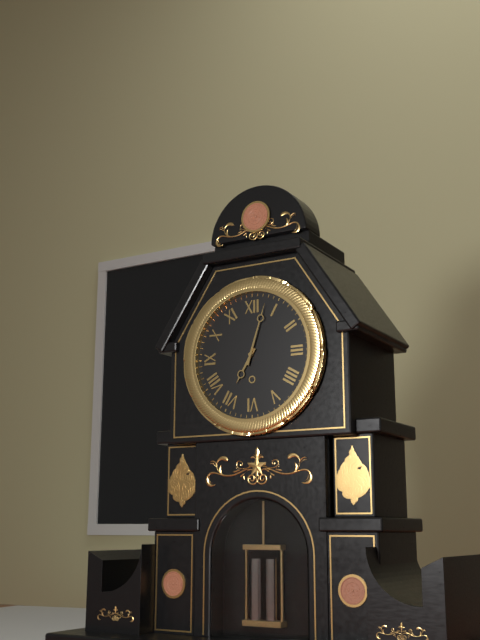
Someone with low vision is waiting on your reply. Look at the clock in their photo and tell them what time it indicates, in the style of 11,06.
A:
7,03
